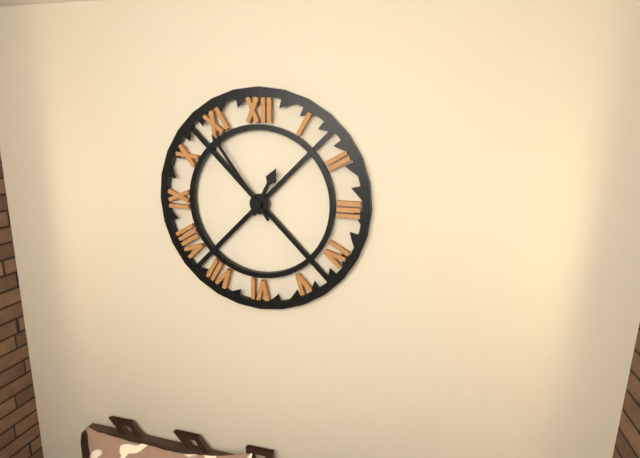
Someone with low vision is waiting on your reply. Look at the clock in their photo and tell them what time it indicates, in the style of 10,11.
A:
12,54
